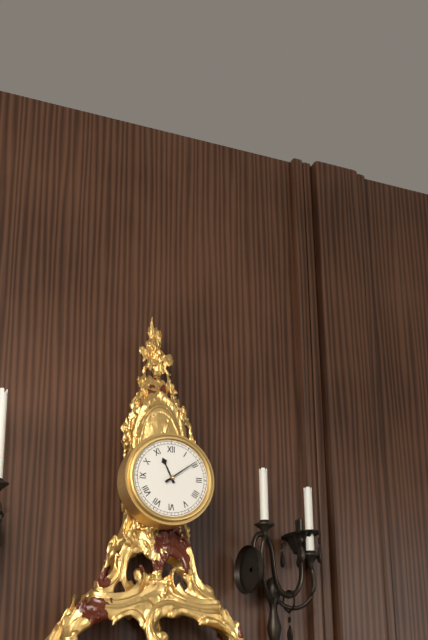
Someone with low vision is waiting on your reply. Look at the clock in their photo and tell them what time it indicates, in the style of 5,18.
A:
11,09
